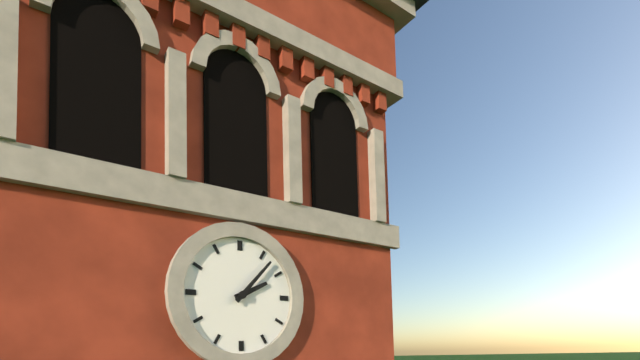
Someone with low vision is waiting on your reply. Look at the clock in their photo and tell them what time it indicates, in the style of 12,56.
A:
2,07
